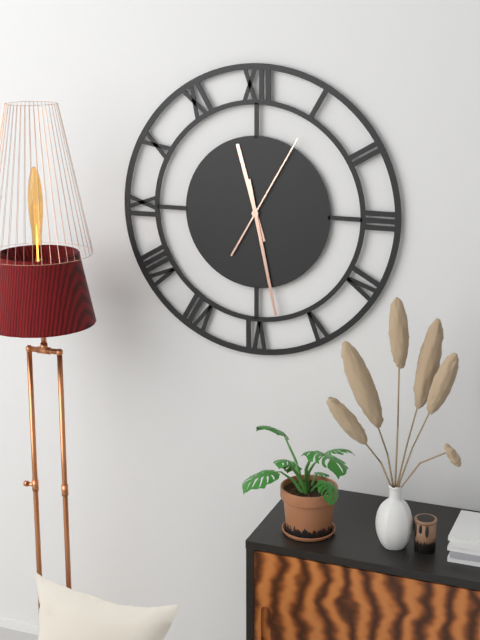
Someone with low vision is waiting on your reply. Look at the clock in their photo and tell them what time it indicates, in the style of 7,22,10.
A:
11,28,05
